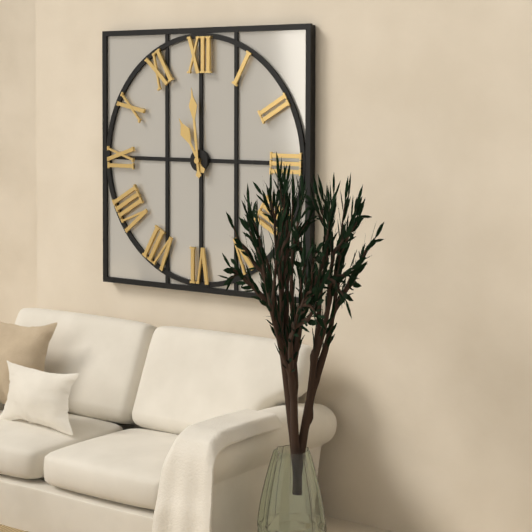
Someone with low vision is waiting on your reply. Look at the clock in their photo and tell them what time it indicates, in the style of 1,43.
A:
10,59
